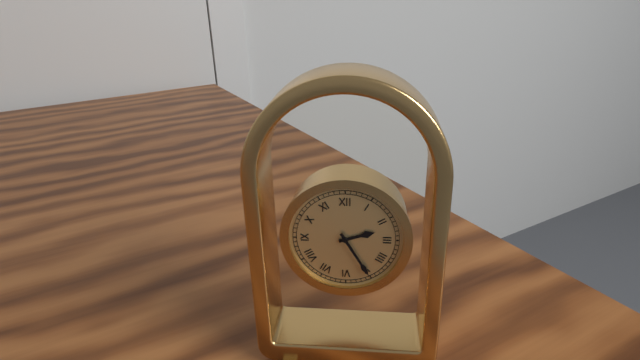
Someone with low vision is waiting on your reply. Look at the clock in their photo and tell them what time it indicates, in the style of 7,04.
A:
2,25
